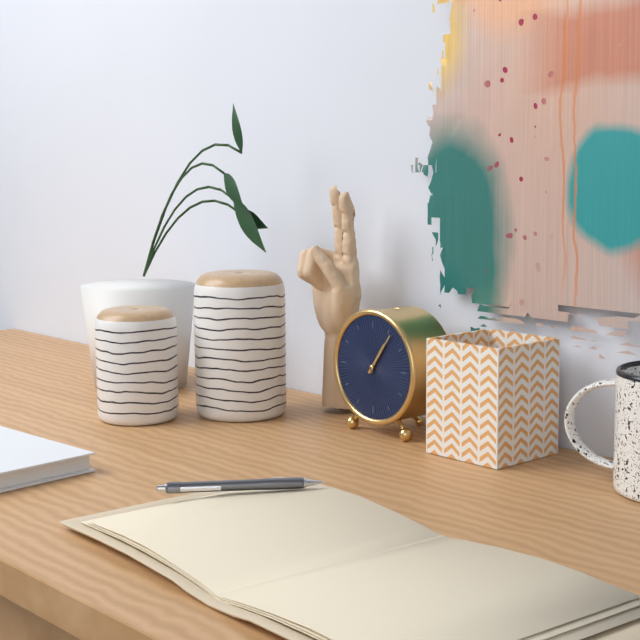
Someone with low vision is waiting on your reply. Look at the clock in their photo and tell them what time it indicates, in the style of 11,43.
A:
1,06
